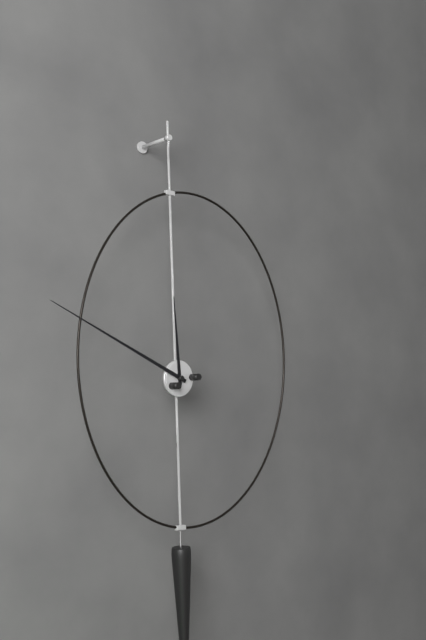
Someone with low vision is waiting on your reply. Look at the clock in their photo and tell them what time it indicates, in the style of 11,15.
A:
11,49
